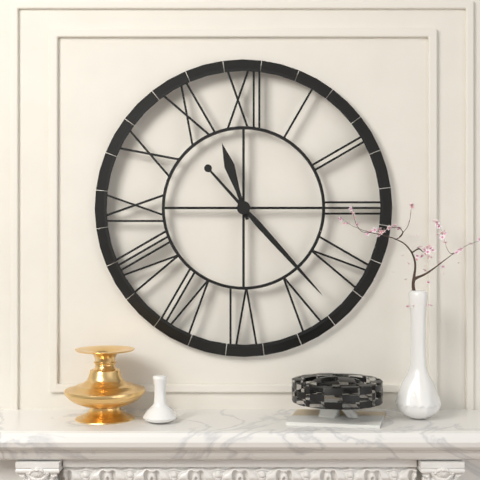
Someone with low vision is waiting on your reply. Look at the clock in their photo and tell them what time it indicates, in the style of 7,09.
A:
11,23
